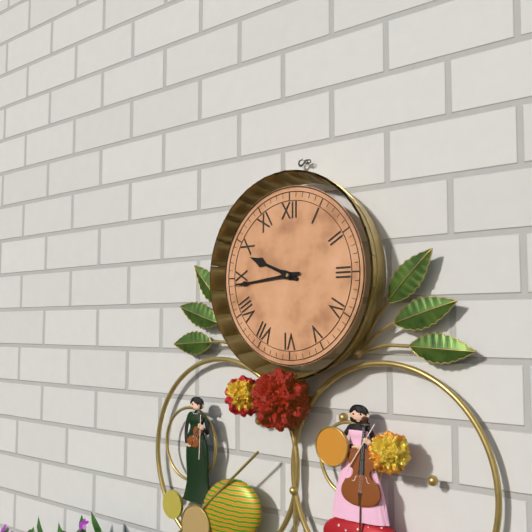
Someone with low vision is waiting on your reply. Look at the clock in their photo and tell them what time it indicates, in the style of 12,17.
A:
9,44
